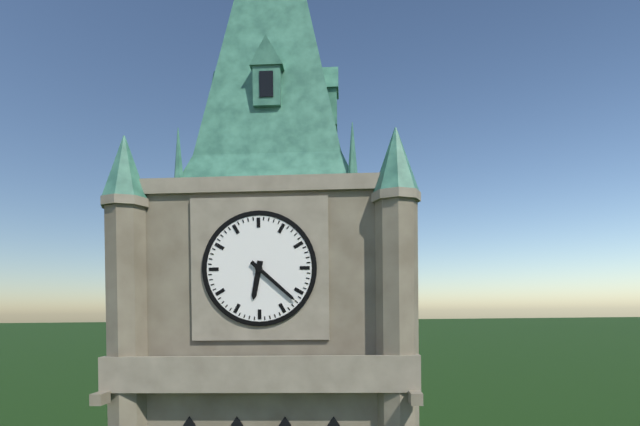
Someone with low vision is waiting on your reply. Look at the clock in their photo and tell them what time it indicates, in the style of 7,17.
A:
6,22
